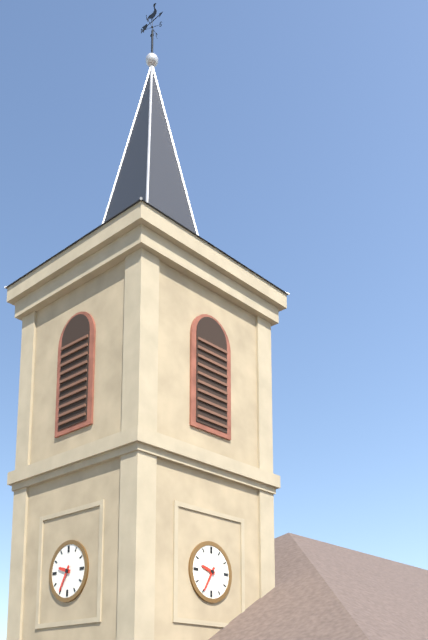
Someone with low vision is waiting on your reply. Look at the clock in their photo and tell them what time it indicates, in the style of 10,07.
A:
9,35
